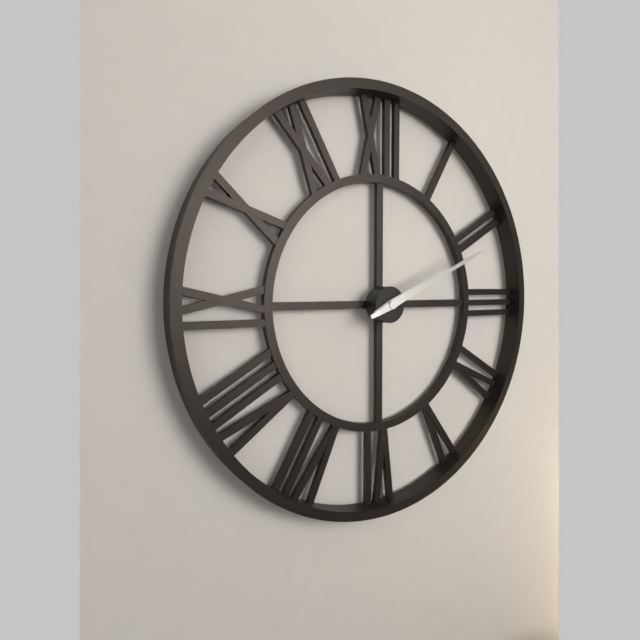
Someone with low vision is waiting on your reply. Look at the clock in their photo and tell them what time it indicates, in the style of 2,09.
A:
2,11
